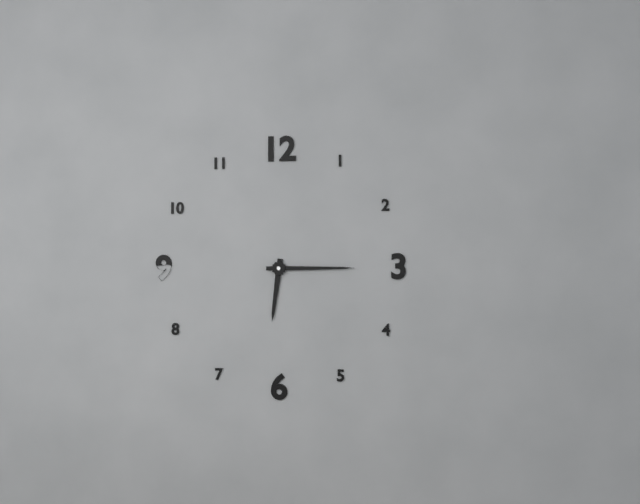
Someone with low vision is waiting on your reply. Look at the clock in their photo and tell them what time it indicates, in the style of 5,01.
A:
6,15
